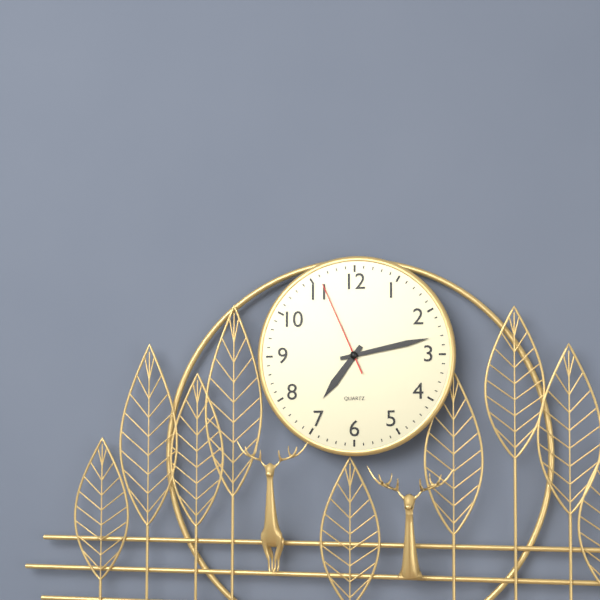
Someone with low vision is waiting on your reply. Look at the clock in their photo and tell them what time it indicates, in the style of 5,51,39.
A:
7,13,56
